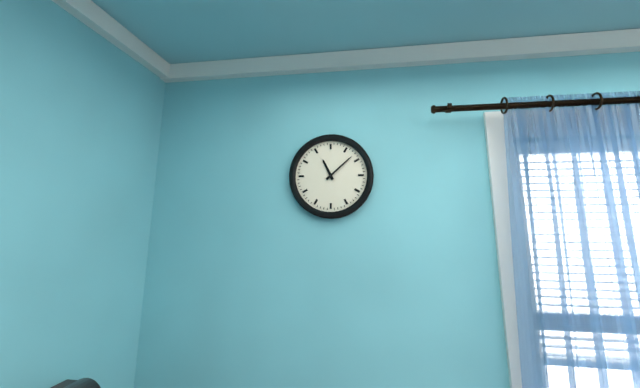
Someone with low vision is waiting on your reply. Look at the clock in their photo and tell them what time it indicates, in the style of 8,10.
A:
11,08
